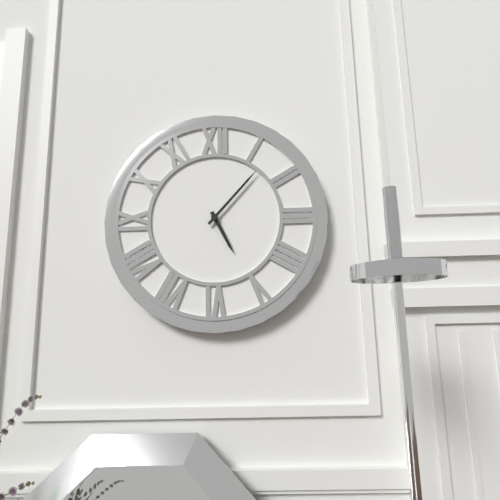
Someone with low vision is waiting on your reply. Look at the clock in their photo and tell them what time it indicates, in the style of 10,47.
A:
5,07
